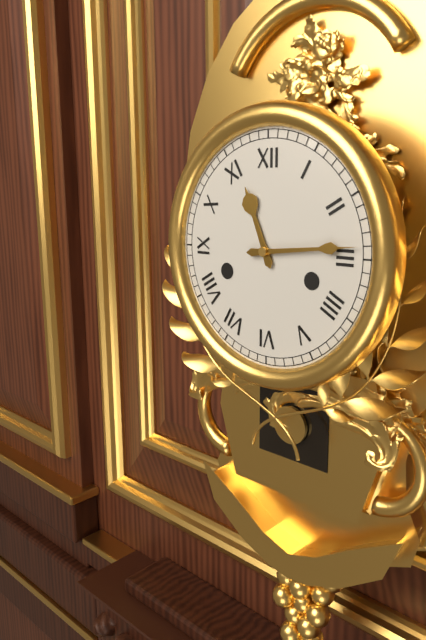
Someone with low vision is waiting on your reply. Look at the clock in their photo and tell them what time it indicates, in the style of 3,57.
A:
11,14
